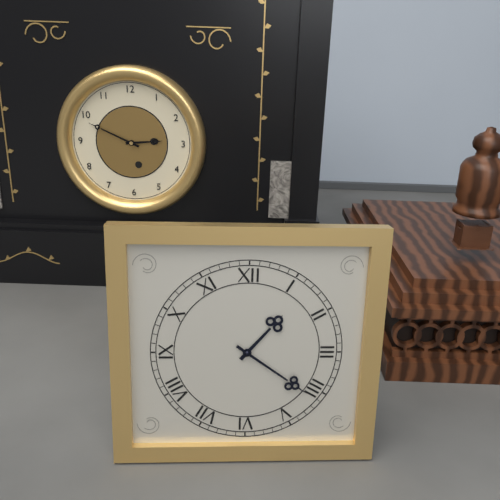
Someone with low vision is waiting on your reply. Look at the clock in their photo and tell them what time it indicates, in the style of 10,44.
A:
1,21
